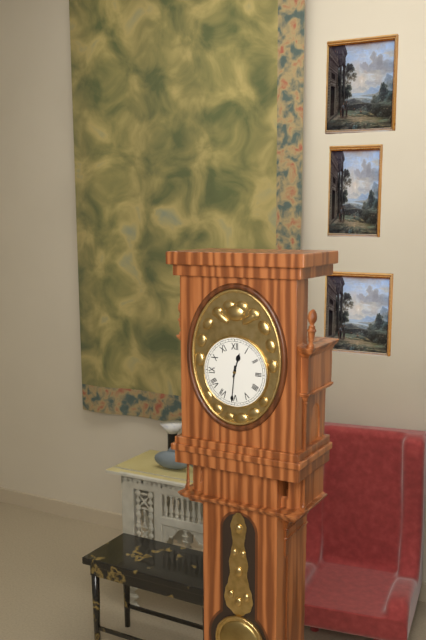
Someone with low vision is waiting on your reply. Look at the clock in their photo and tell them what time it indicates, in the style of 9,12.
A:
12,31
